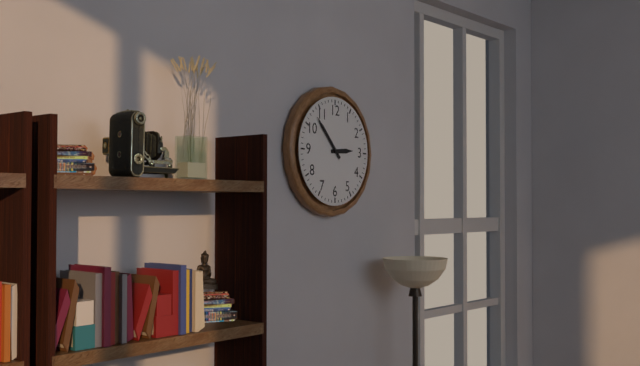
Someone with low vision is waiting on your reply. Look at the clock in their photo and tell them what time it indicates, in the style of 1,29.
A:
2,53
